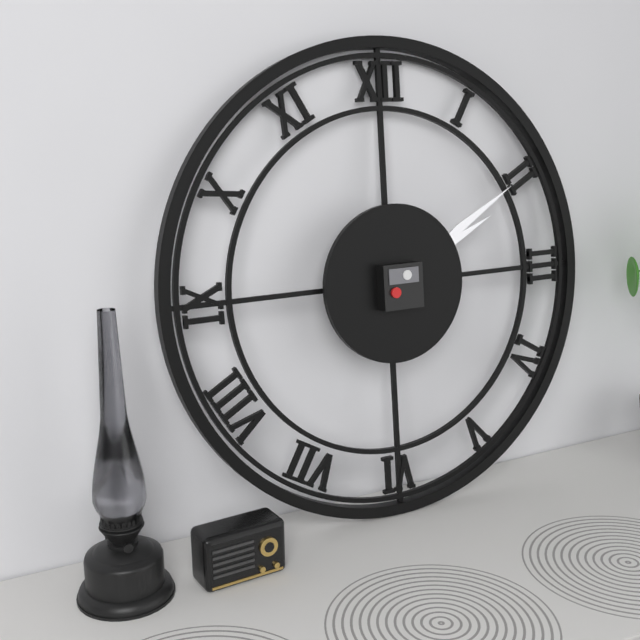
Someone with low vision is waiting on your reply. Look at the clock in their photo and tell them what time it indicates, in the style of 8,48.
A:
2,10
